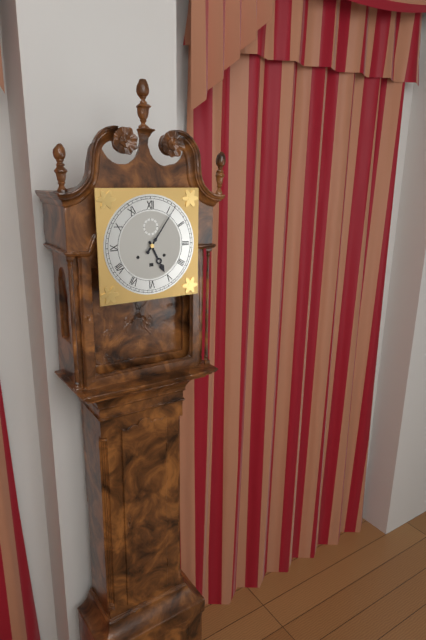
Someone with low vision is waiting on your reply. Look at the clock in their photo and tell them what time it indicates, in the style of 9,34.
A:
5,06
